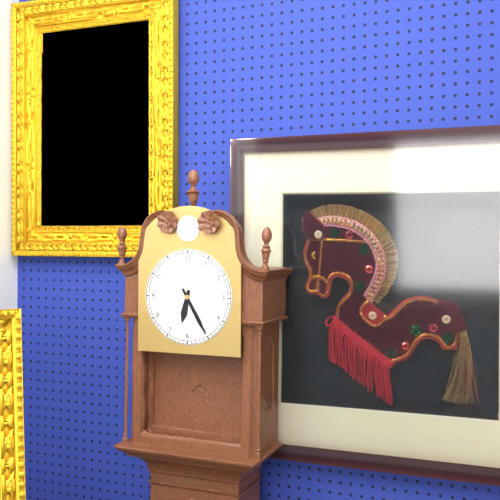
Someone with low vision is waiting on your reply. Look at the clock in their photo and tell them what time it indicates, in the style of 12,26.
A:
6,25
